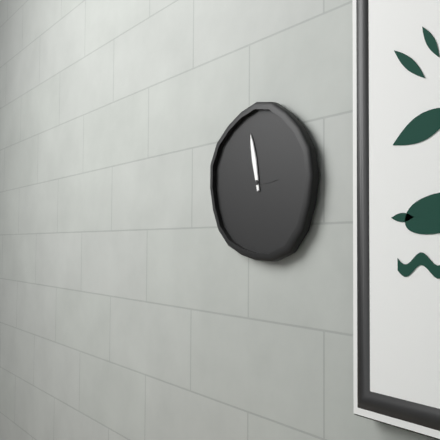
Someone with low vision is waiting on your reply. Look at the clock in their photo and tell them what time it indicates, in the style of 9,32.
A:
2,58
